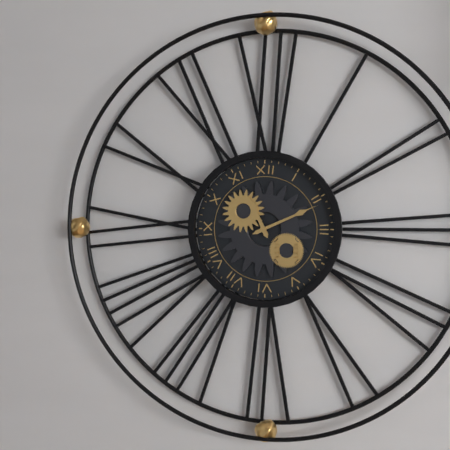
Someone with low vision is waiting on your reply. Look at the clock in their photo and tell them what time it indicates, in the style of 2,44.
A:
11,11
